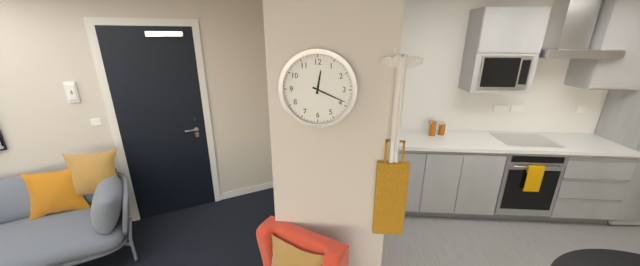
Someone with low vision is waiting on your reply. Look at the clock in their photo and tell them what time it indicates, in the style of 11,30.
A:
12,19
